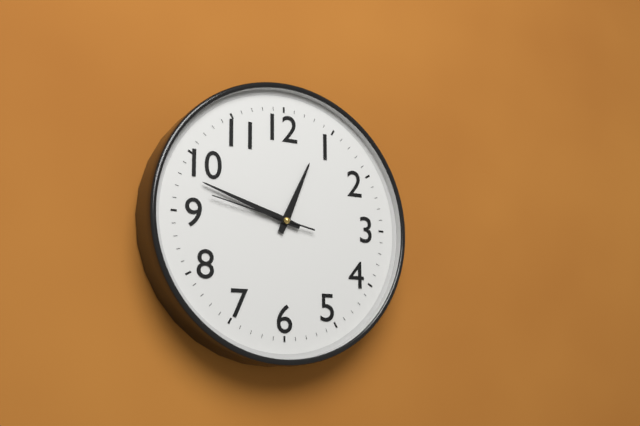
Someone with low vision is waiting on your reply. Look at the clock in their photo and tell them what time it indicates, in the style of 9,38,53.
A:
12,48,47
